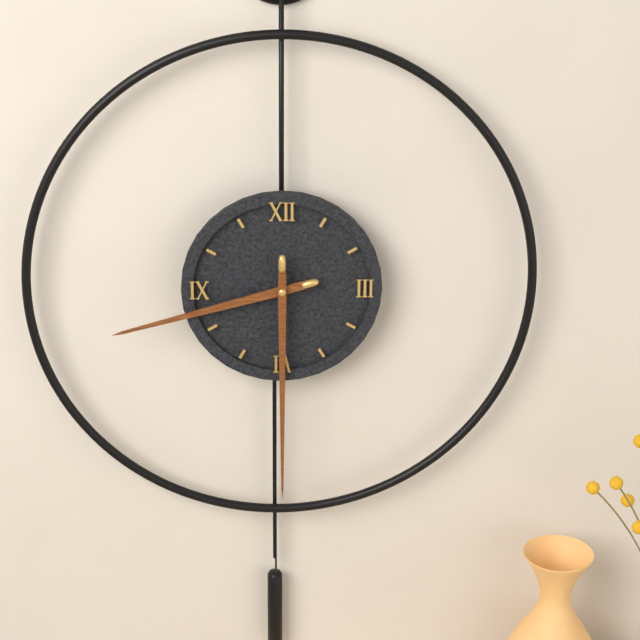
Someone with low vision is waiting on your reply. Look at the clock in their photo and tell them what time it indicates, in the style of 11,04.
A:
8,30
